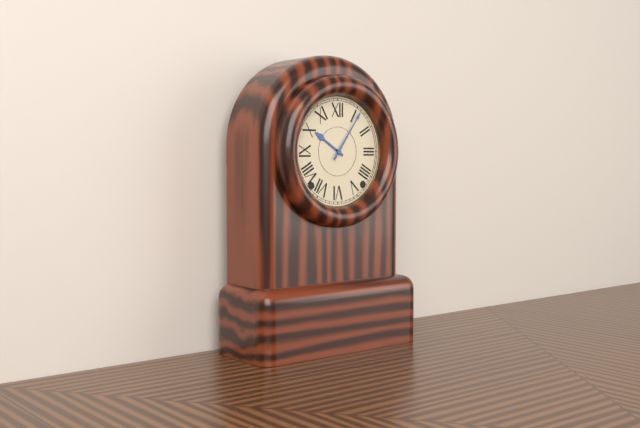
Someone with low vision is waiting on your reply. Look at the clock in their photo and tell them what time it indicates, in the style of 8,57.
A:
10,06
